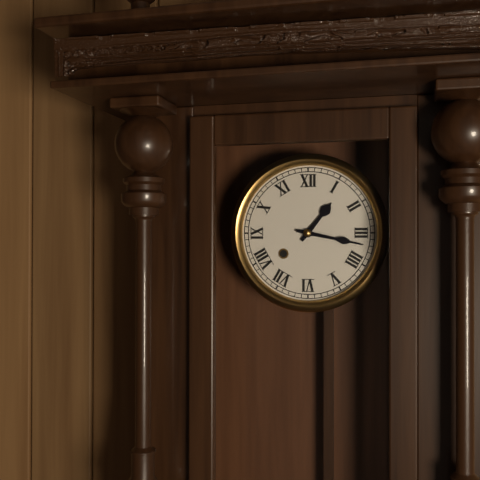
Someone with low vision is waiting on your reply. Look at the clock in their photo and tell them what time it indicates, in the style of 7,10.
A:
1,17
